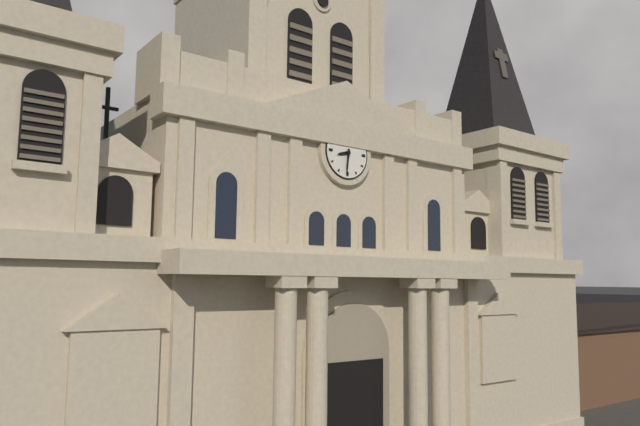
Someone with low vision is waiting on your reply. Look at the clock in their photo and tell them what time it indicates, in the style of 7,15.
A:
8,31
